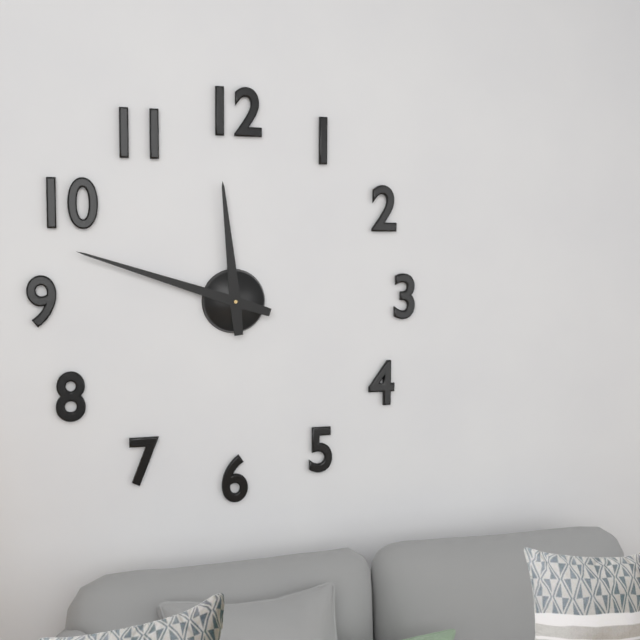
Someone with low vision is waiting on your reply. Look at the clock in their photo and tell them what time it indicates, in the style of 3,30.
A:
11,48
